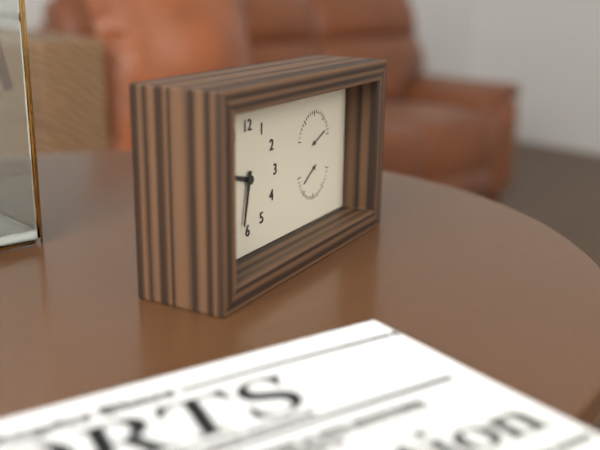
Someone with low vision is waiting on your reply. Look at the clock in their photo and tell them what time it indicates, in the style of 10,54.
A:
9,32
